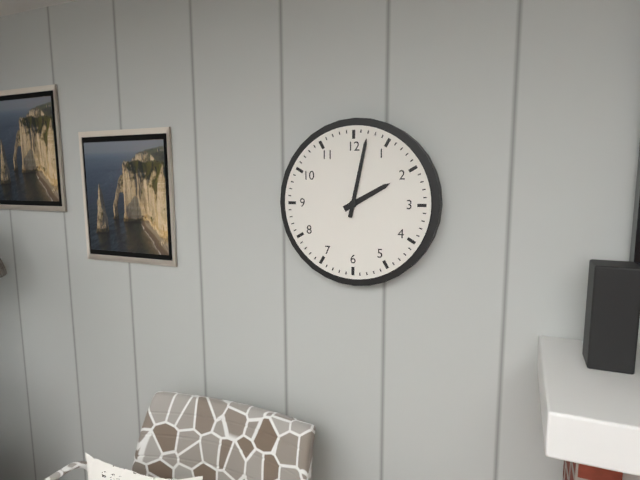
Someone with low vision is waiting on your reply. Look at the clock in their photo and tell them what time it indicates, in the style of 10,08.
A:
2,02
